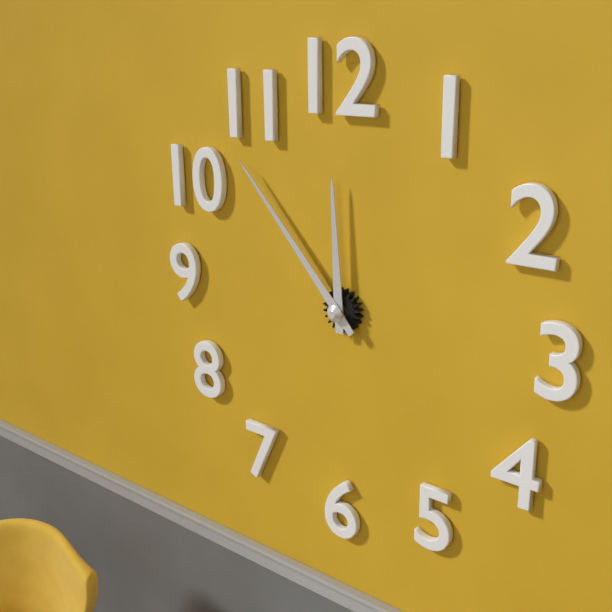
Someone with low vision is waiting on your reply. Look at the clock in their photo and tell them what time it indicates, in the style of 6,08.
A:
11,53
